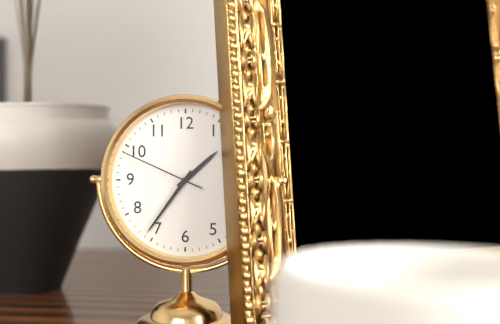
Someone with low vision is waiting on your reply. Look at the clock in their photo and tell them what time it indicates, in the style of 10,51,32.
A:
1,36,49
